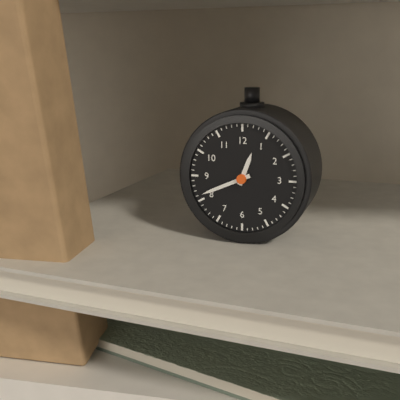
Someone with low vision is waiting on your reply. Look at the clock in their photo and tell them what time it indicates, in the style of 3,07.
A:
12,41
